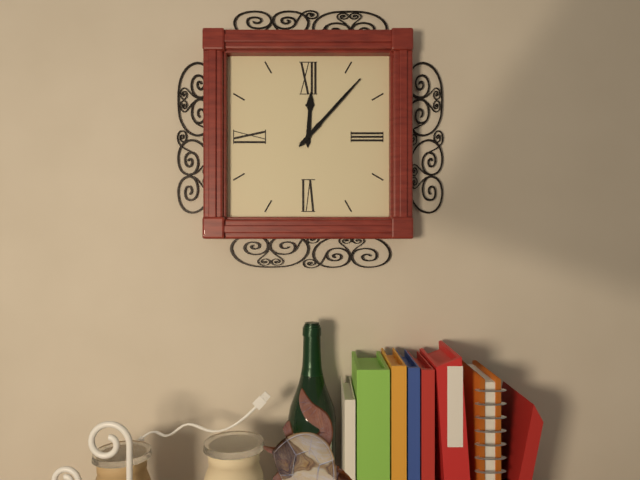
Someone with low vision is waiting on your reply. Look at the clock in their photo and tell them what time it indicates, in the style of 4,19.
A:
12,07
